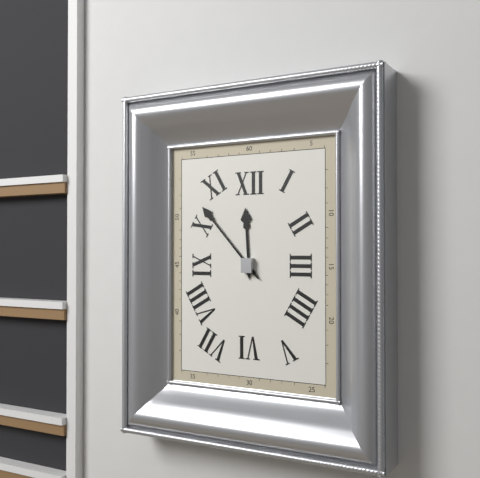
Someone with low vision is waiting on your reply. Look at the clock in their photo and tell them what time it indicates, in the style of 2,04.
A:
11,53
